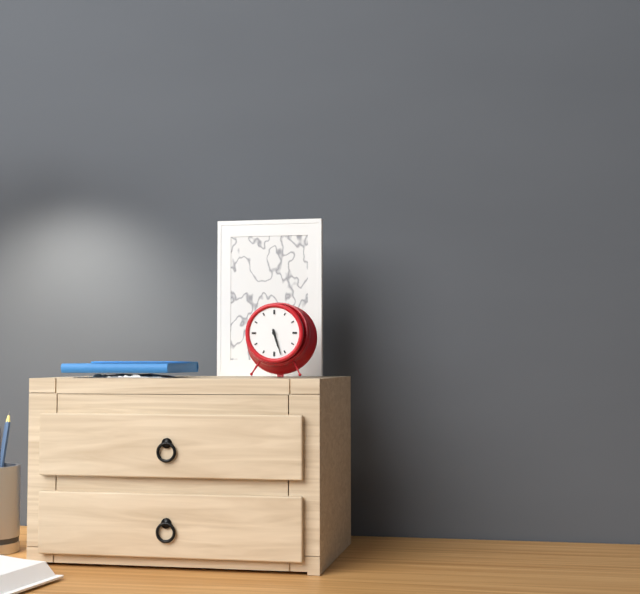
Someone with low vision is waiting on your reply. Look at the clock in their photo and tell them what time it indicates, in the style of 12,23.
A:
5,27
